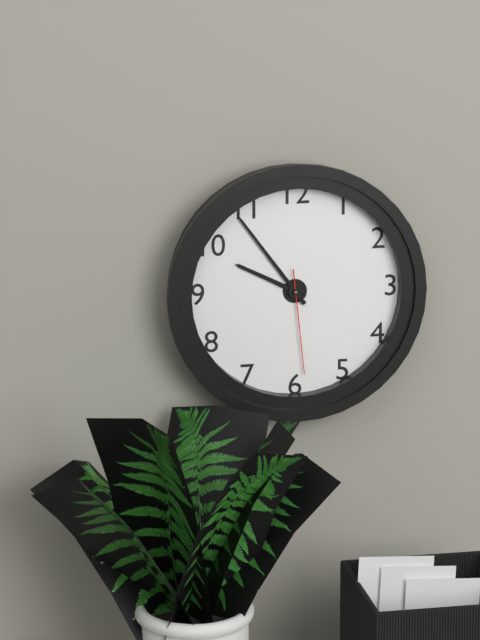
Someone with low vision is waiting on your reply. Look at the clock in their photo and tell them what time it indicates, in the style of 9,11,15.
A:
9,54,29
